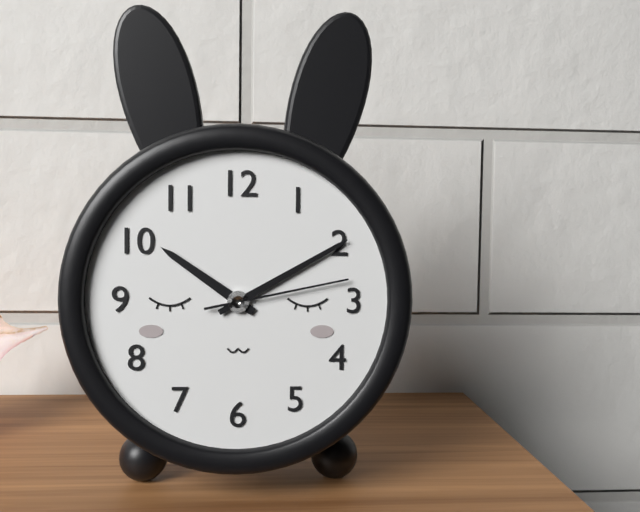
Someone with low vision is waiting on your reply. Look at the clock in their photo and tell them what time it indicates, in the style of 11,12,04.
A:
10,10,13
